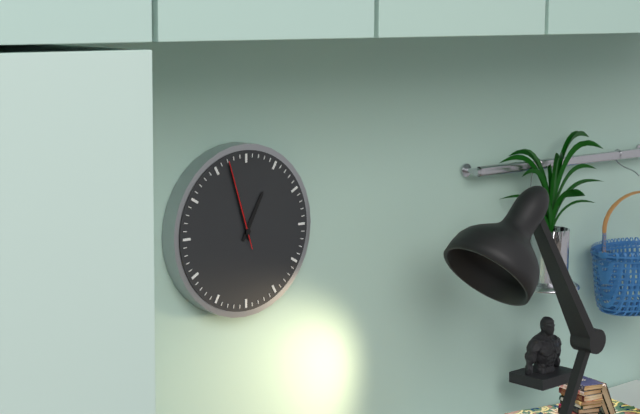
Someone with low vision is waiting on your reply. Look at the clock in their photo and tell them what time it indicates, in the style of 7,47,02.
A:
12,57,57
